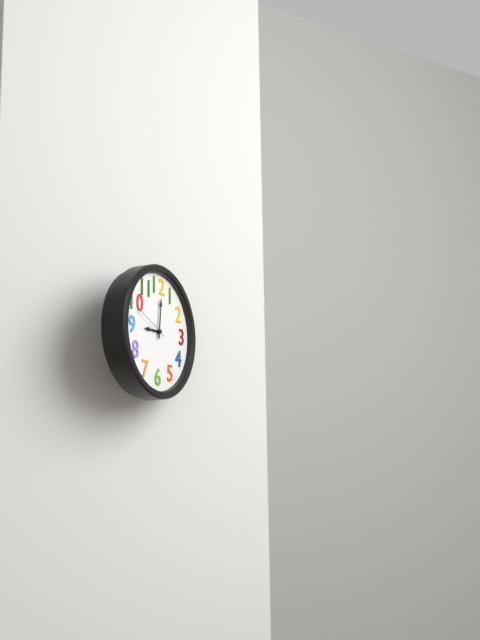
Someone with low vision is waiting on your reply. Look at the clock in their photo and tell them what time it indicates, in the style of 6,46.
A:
9,01
